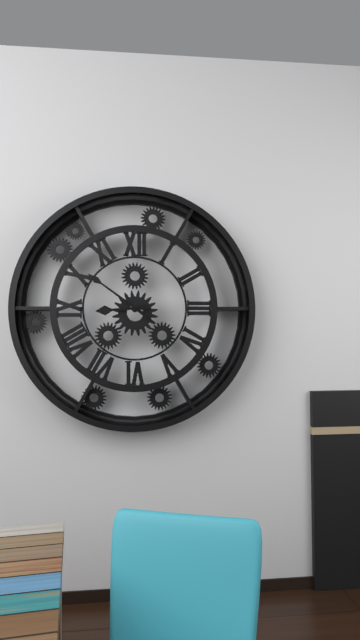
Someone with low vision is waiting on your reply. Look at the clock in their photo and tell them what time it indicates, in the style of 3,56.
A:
8,51
